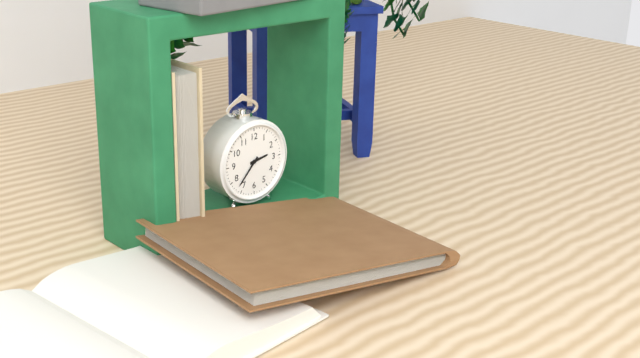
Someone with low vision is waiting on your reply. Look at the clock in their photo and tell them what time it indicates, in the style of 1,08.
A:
2,37
